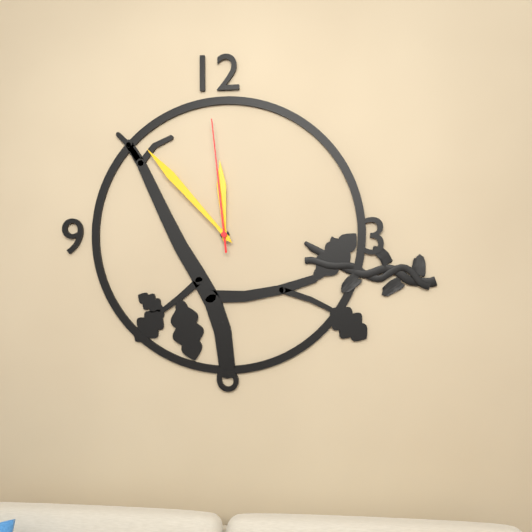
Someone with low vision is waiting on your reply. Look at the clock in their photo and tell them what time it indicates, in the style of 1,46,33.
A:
11,53,59
